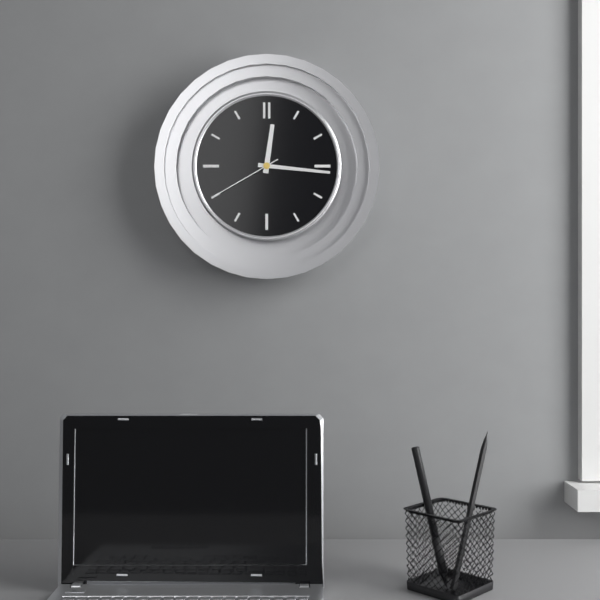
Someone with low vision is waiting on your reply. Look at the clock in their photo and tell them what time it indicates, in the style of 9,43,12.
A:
12,16,40
